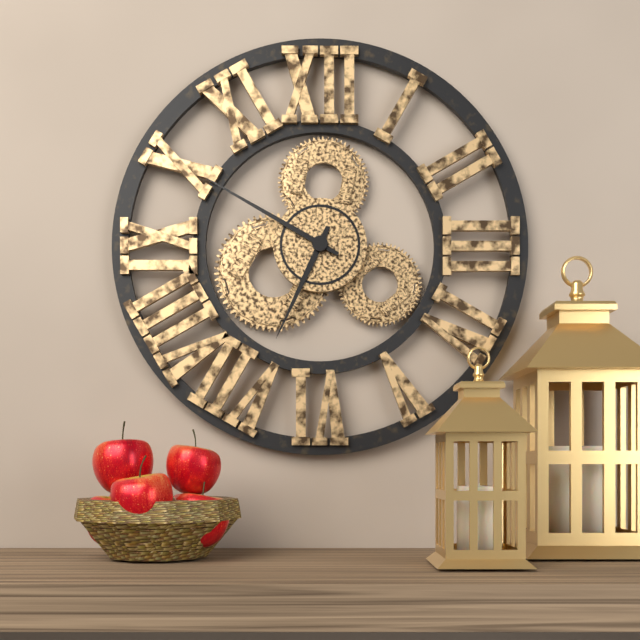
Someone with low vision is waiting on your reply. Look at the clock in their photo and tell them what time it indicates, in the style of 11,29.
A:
6,50
